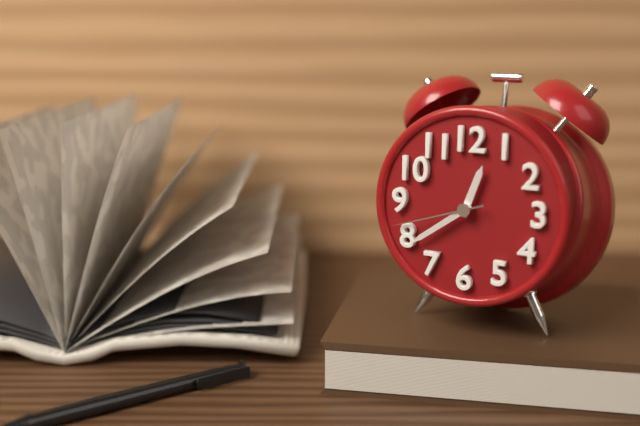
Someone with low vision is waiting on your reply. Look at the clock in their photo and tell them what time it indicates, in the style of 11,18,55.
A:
12,39,42
